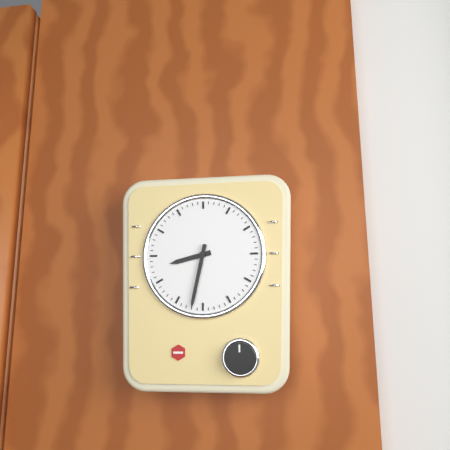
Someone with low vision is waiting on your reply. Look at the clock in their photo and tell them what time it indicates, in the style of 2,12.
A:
8,32
